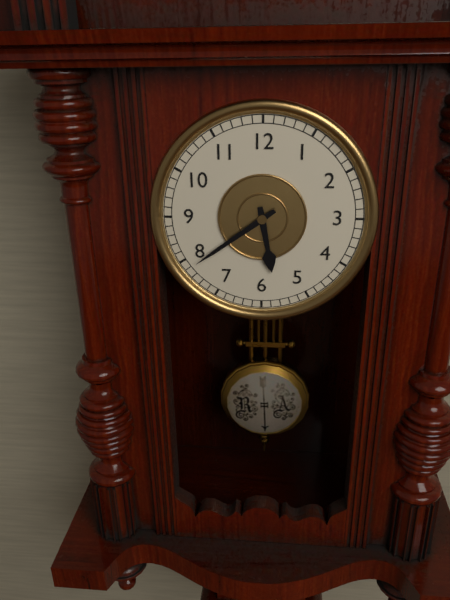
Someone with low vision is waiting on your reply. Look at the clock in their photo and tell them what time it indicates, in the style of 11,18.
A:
5,39
